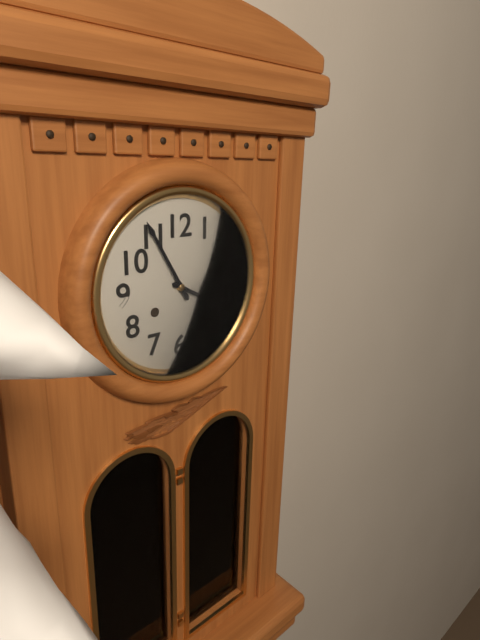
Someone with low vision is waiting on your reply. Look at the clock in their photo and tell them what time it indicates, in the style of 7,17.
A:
3,55
